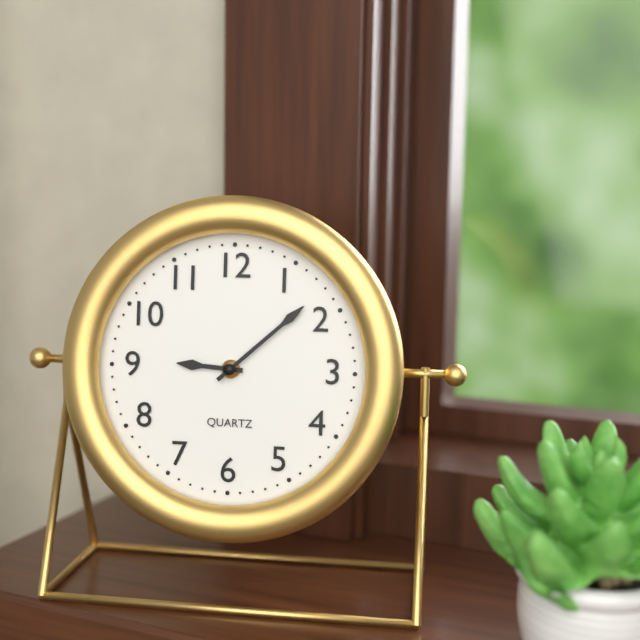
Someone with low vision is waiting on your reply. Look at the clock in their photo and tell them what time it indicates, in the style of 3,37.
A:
9,08
